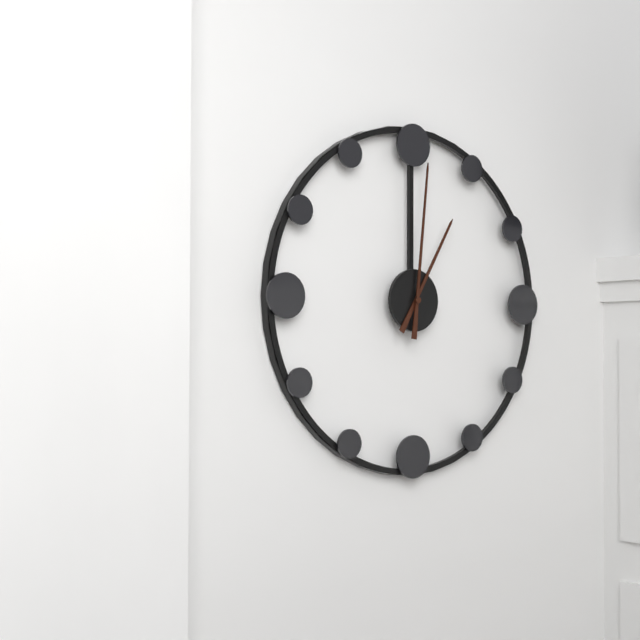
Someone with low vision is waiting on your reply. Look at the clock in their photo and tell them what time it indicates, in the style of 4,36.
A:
1,01
